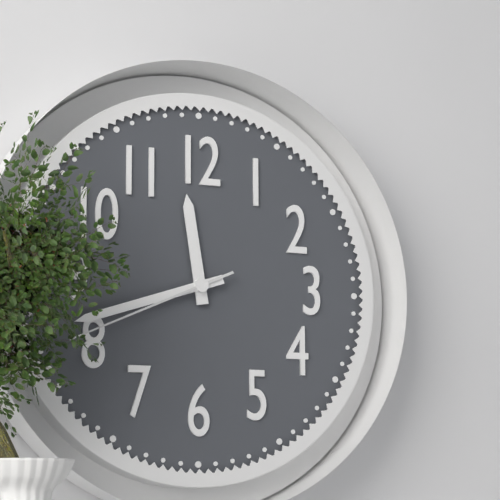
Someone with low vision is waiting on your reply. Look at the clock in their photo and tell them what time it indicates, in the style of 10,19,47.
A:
11,42,41
